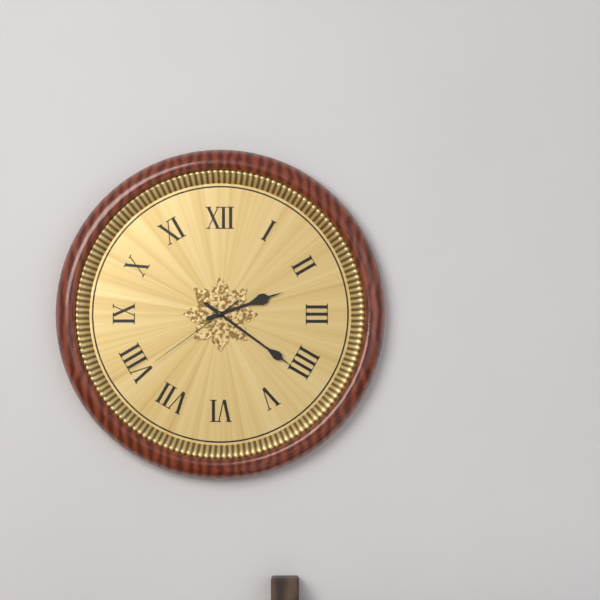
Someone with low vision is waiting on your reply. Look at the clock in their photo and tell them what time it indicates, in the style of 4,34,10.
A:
2,21,39
